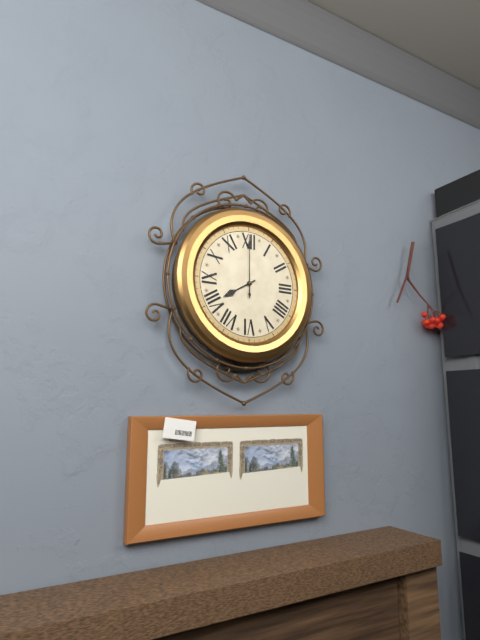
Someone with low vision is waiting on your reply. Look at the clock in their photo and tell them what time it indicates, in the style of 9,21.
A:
8,00
